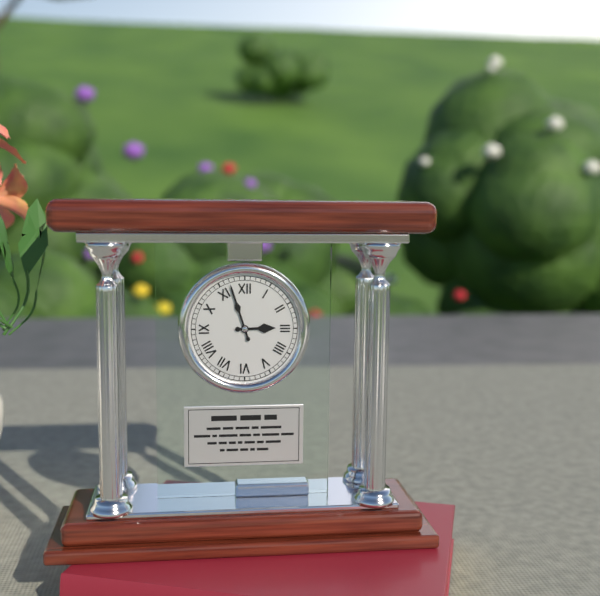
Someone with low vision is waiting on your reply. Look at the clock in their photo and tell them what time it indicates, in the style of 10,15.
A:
2,57
